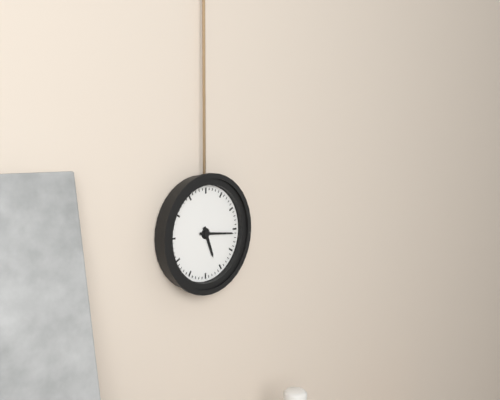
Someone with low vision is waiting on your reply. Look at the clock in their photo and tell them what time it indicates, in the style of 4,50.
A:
5,16
